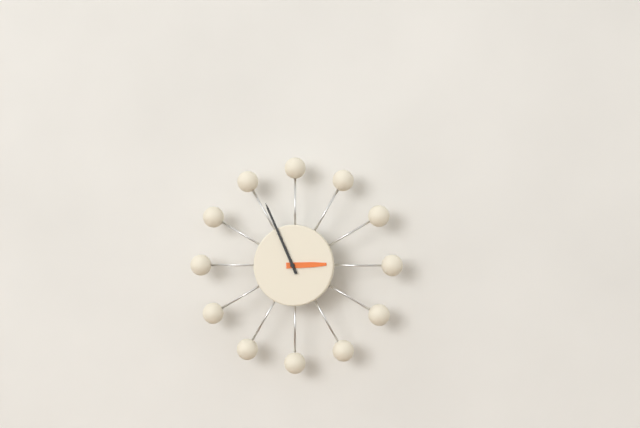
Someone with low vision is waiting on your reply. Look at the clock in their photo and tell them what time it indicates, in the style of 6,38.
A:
2,56
